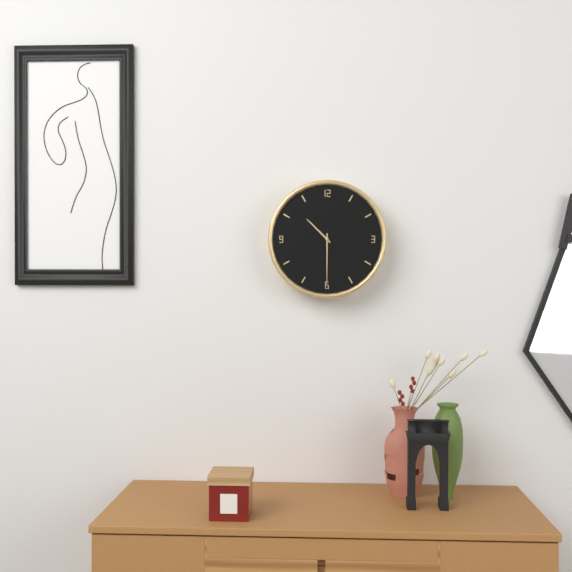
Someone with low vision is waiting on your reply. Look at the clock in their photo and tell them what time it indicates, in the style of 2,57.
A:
10,30
